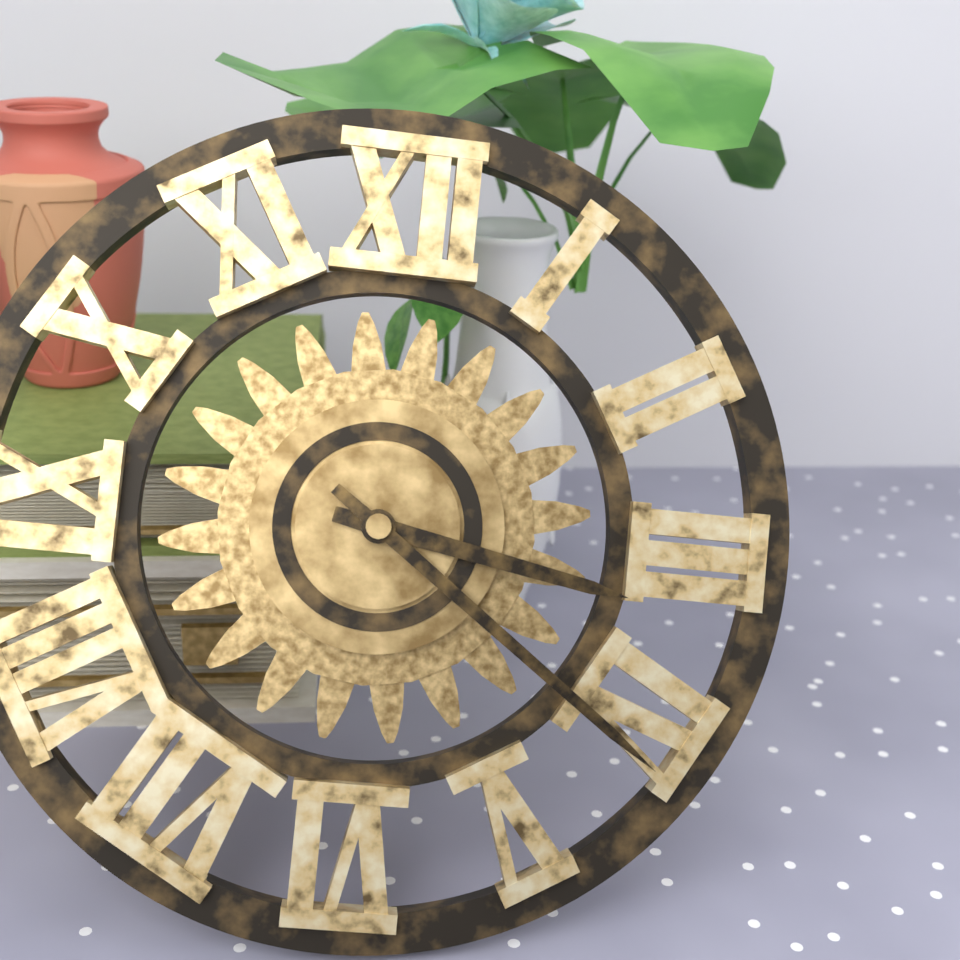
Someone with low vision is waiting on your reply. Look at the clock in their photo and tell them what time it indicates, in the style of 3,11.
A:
3,21
